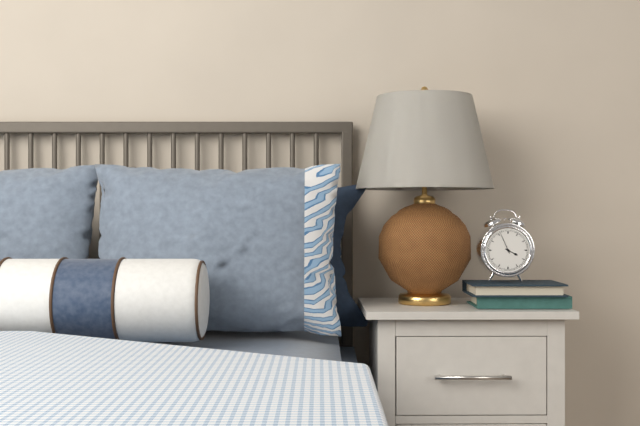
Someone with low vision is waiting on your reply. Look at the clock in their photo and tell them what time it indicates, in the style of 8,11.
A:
3,56
